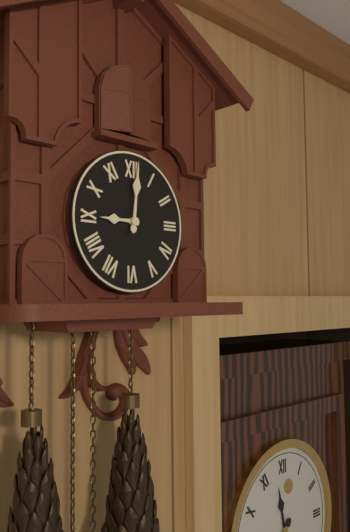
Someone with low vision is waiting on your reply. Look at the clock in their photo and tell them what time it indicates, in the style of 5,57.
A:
9,01
